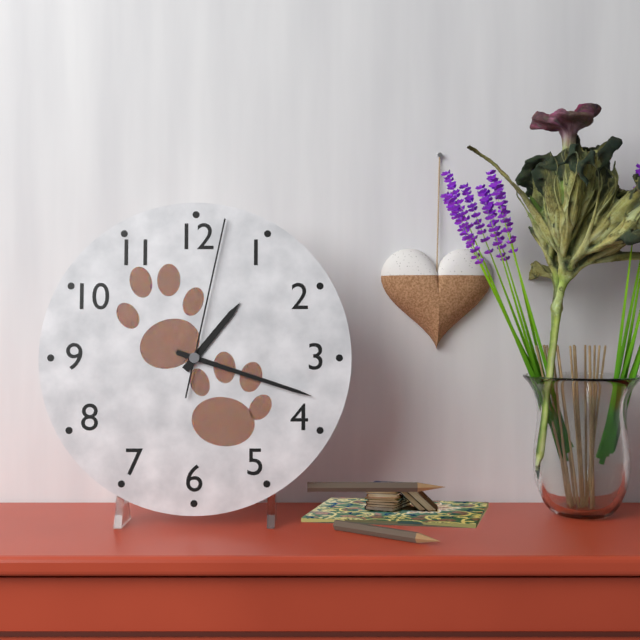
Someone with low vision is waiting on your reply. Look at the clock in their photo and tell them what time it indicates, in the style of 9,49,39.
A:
1,18,02
